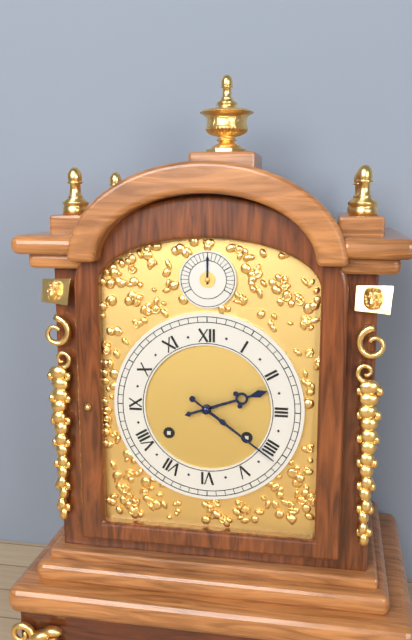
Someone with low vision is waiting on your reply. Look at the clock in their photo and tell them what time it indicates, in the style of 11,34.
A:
2,21
